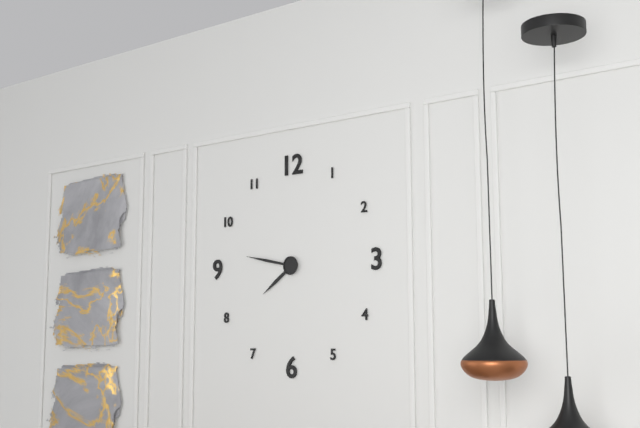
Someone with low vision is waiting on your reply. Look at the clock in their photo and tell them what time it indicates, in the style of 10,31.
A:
7,47
